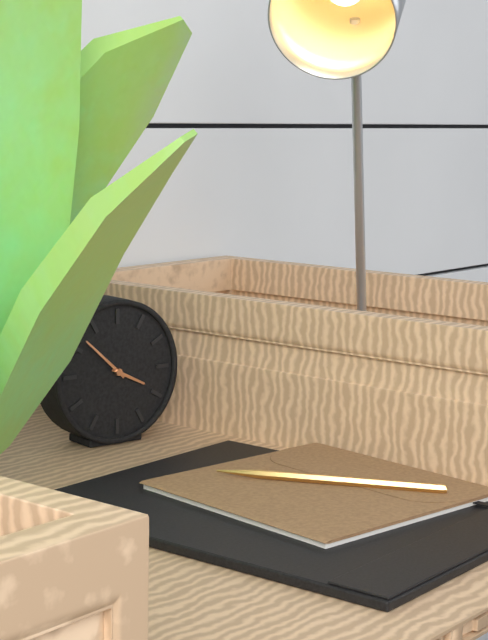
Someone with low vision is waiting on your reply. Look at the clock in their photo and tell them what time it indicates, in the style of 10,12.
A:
3,52
